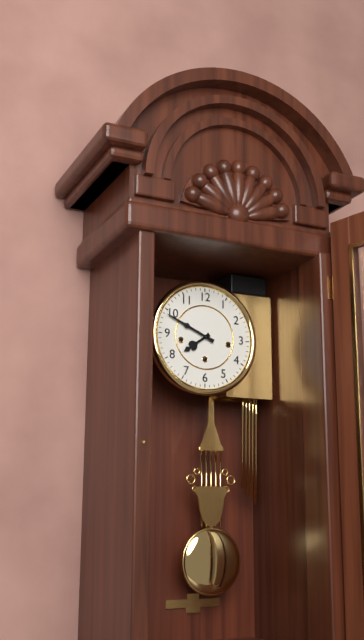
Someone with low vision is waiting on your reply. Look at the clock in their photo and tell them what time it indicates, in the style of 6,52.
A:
7,49
